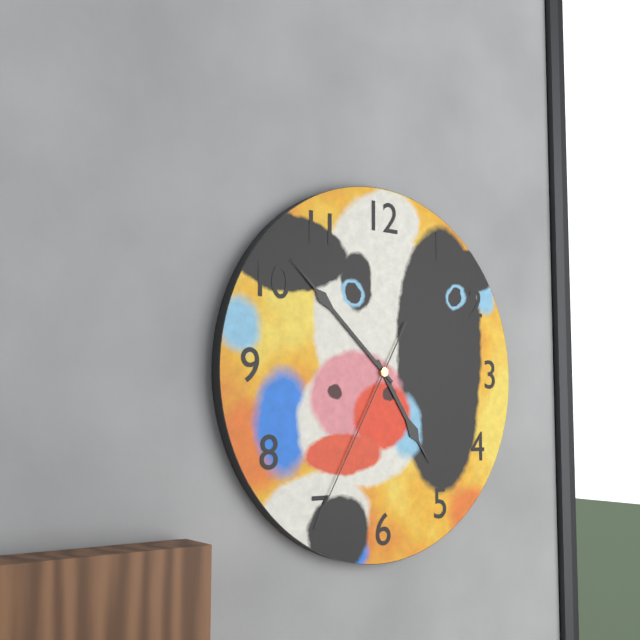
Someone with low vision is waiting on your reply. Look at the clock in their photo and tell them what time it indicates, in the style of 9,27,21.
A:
4,52,35
